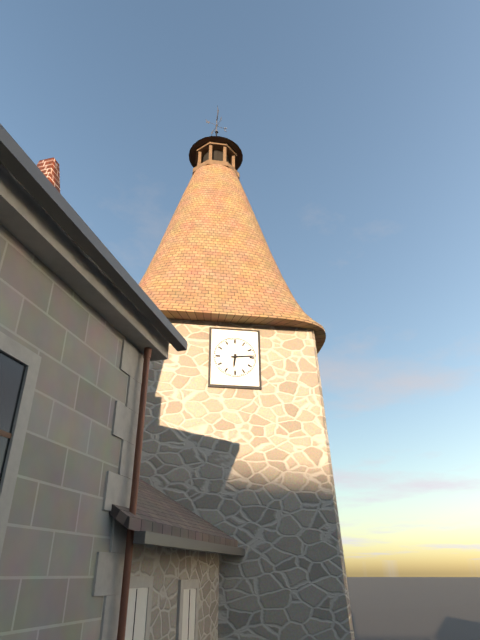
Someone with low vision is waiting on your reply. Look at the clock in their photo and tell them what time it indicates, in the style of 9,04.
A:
6,14
